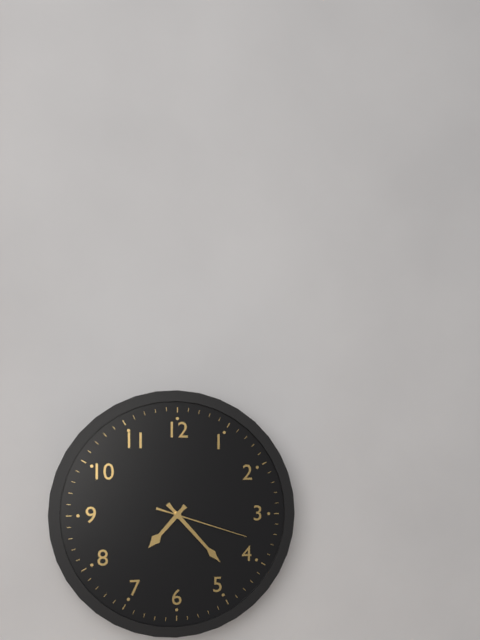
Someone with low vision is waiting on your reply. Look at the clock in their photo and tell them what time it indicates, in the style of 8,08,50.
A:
7,23,18
